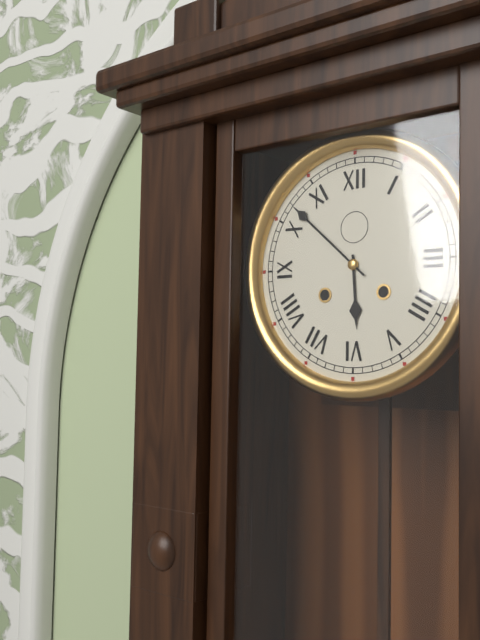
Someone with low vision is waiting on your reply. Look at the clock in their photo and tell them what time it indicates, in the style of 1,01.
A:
5,52
